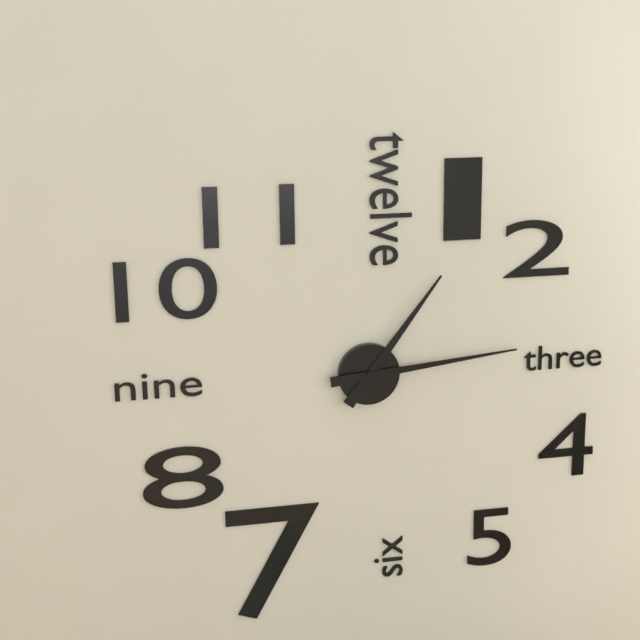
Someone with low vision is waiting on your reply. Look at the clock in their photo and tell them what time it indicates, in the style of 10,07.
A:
1,14
